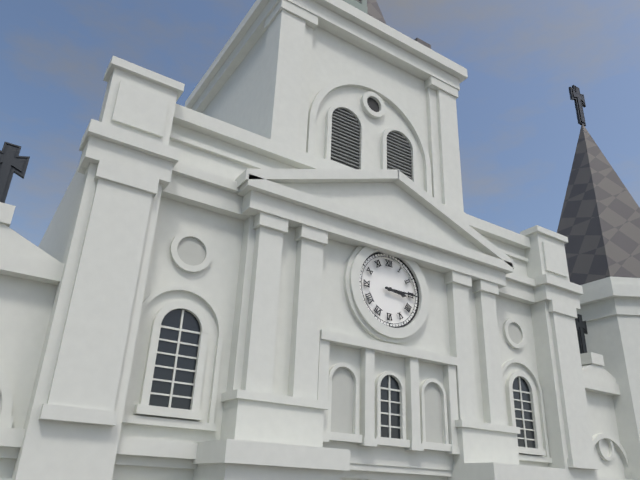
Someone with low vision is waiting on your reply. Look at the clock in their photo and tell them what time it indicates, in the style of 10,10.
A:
3,15
